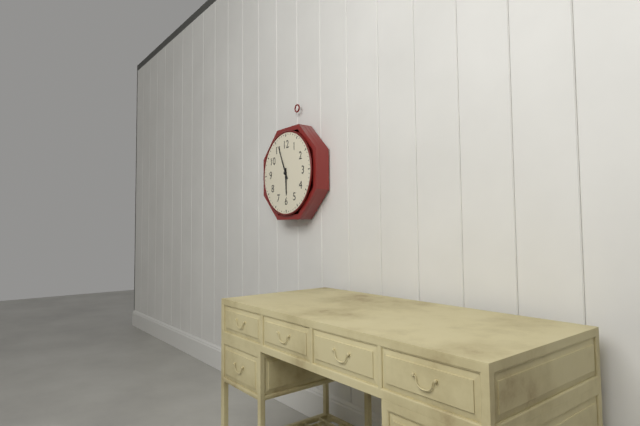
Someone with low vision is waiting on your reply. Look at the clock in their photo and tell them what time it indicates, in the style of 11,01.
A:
5,56
